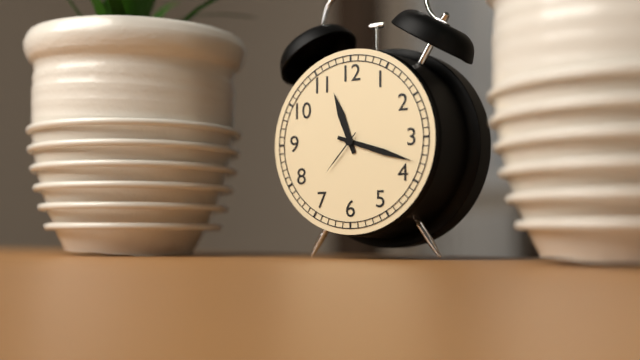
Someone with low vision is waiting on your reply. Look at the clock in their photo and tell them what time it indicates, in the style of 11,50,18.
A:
11,18,37
